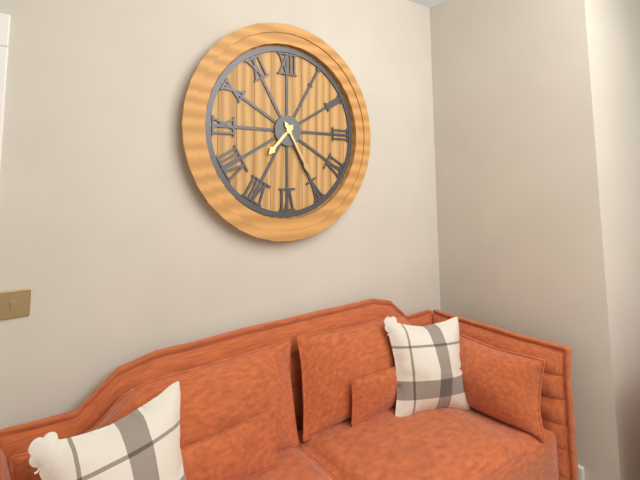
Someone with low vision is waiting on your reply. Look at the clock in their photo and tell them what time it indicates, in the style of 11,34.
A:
7,25
